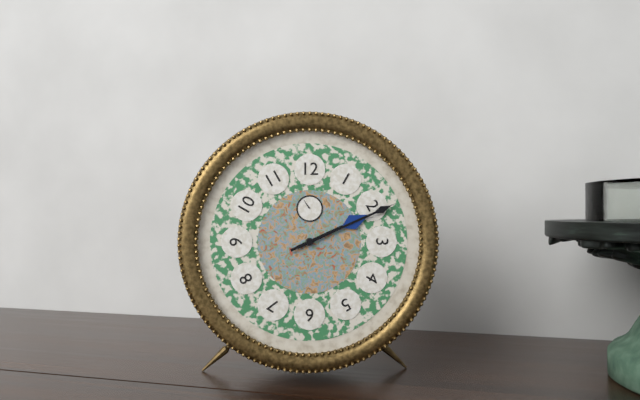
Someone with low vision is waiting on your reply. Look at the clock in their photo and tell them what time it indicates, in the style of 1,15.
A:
2,11
